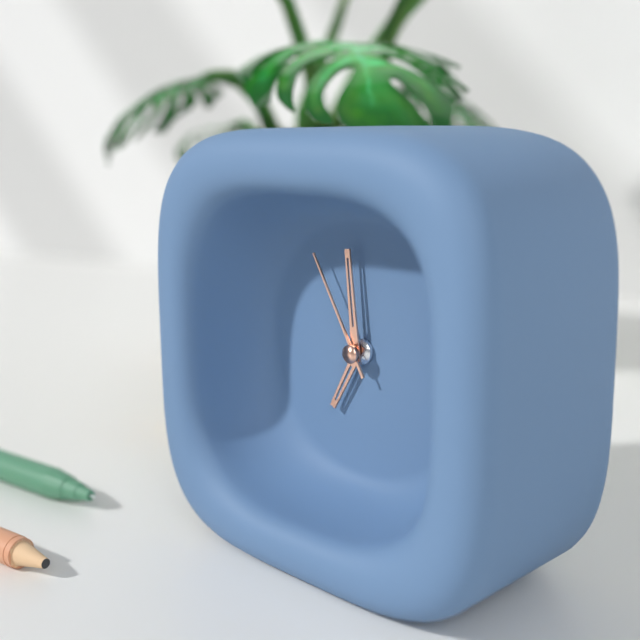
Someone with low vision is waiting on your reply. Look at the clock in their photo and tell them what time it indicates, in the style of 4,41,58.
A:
6,59,55
